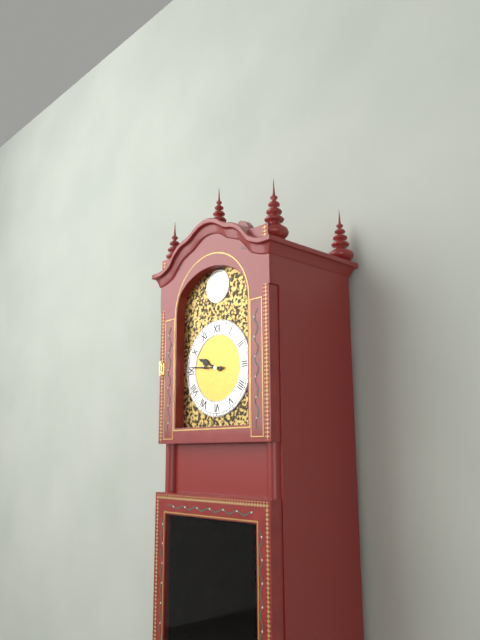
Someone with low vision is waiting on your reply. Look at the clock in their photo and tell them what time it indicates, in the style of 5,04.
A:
9,46
